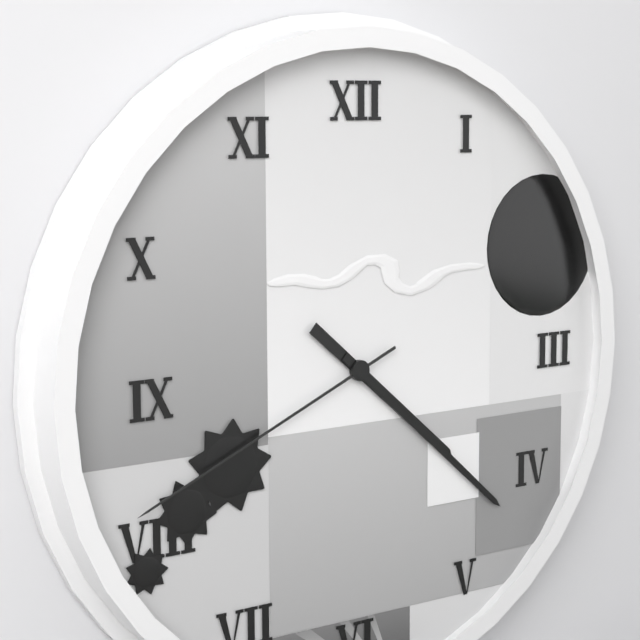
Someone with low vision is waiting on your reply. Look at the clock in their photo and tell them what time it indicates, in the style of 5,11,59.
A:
4,22,41
